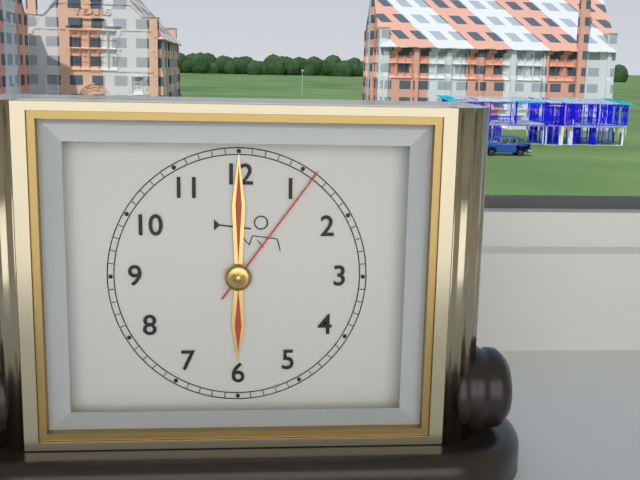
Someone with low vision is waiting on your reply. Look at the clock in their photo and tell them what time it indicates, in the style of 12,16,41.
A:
6,00,06
